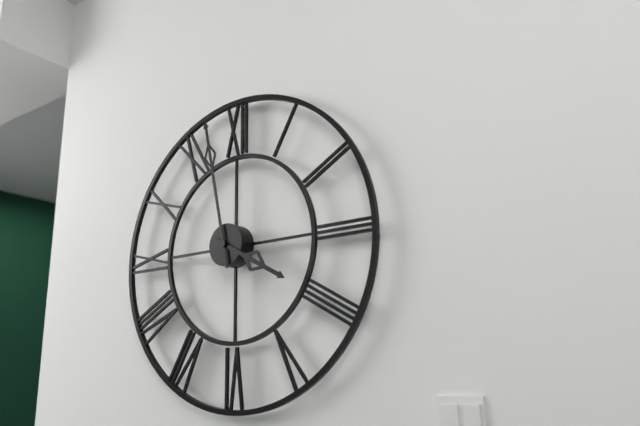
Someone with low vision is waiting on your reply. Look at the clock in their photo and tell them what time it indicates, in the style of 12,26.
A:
3,58
